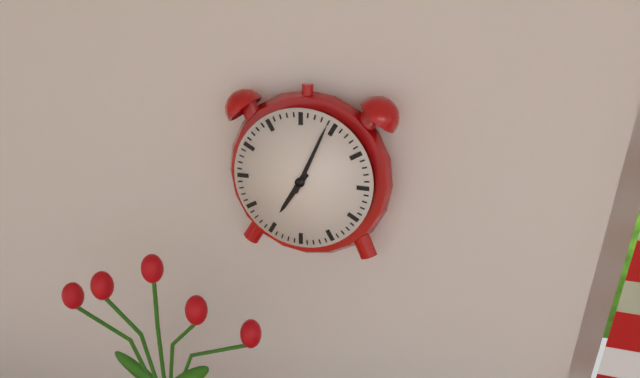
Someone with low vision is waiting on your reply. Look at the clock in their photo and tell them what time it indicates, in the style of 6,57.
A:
7,04
